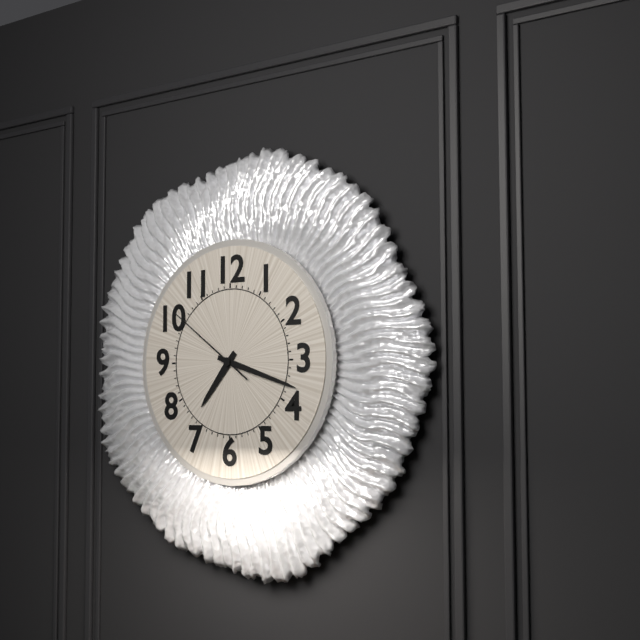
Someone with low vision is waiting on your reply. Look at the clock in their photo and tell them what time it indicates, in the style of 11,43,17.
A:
7,18,51
